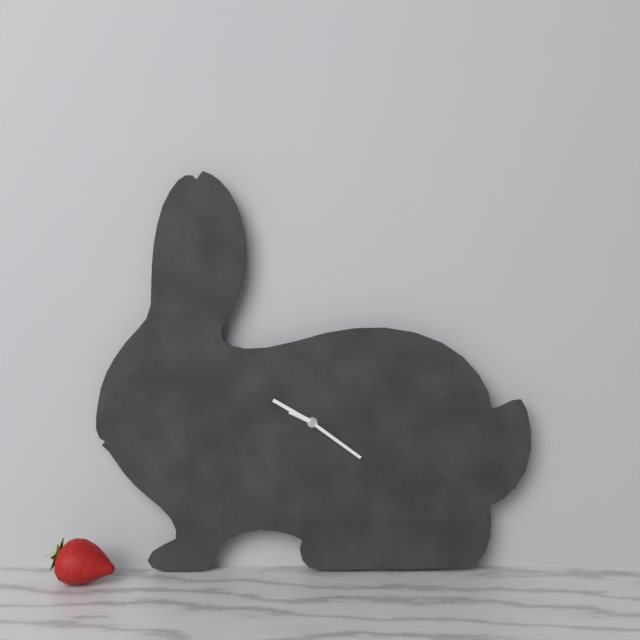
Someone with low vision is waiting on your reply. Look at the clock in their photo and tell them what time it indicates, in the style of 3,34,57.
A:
9,50,21
